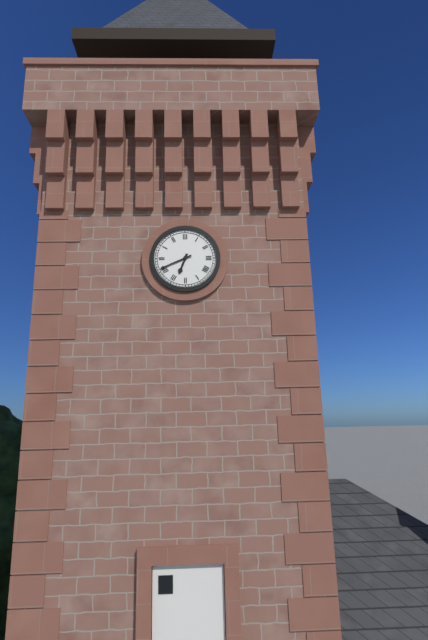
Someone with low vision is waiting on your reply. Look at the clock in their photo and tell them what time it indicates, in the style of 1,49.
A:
6,41
